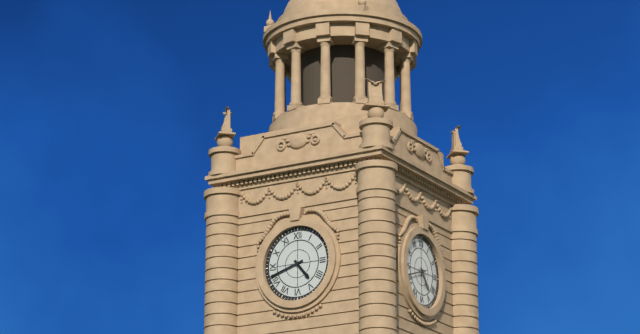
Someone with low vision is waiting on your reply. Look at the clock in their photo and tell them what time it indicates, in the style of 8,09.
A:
4,42
